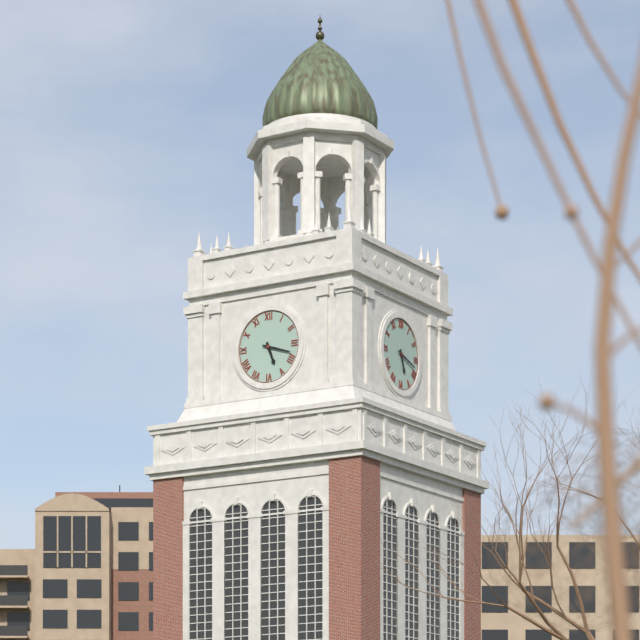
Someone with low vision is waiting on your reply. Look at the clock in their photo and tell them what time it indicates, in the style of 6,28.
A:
5,18
